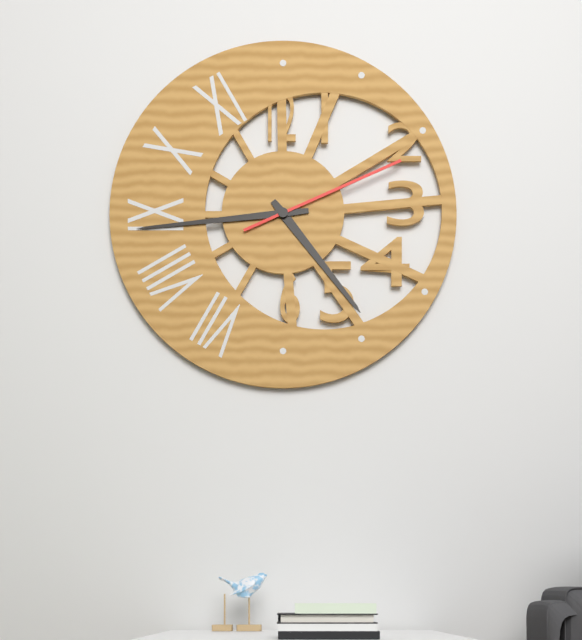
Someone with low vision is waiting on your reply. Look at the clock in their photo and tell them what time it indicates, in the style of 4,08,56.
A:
4,44,11
